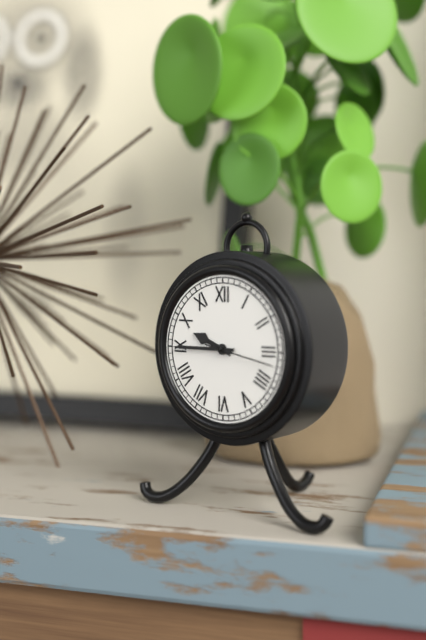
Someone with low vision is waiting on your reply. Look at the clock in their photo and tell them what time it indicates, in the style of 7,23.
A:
9,45
